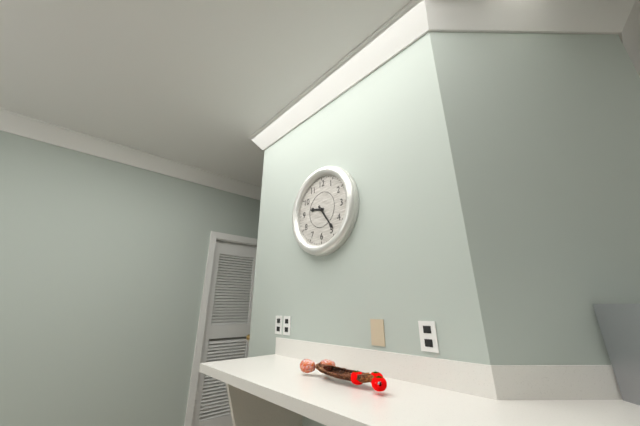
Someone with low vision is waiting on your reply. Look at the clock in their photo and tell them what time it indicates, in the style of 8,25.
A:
9,24
